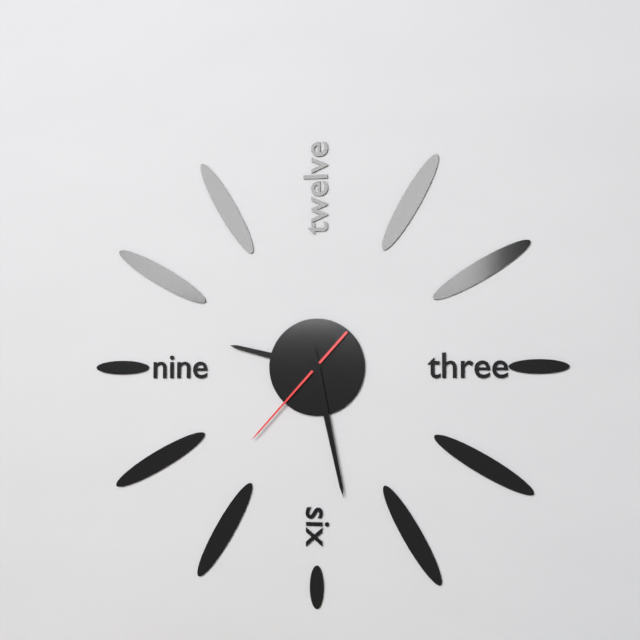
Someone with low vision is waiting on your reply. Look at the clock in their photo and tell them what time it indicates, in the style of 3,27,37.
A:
9,28,37
